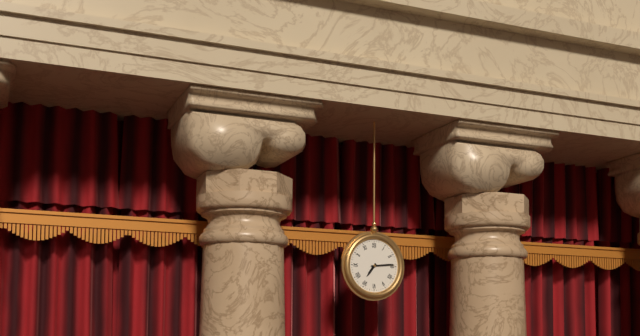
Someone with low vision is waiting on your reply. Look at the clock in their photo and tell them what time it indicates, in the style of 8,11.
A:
7,14
